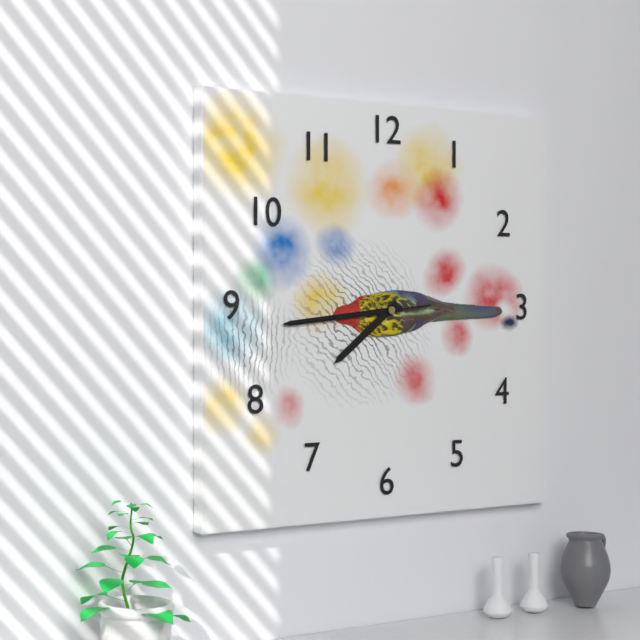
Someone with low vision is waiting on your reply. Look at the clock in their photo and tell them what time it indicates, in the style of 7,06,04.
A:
7,44,44
